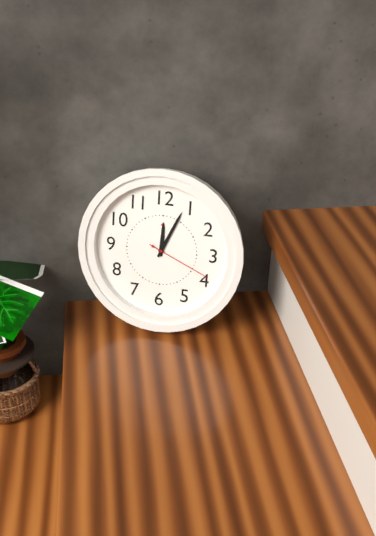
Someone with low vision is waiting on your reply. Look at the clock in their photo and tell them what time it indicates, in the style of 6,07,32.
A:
12,04,19
